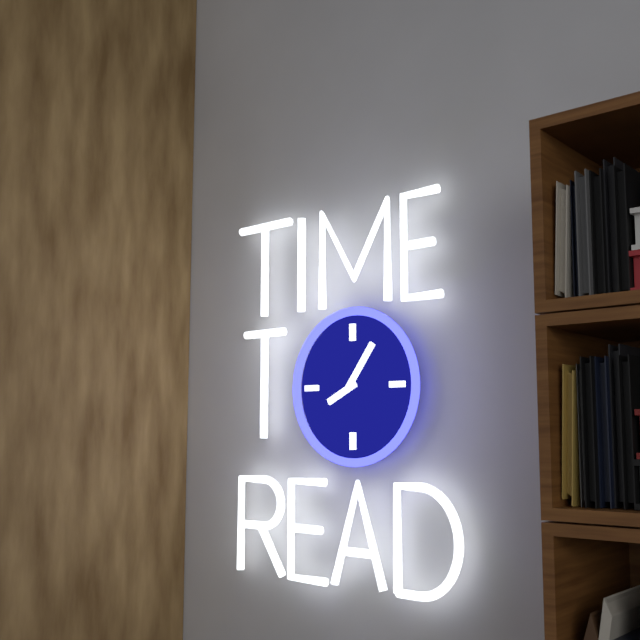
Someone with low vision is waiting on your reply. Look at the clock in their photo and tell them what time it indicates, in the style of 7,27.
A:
8,06
